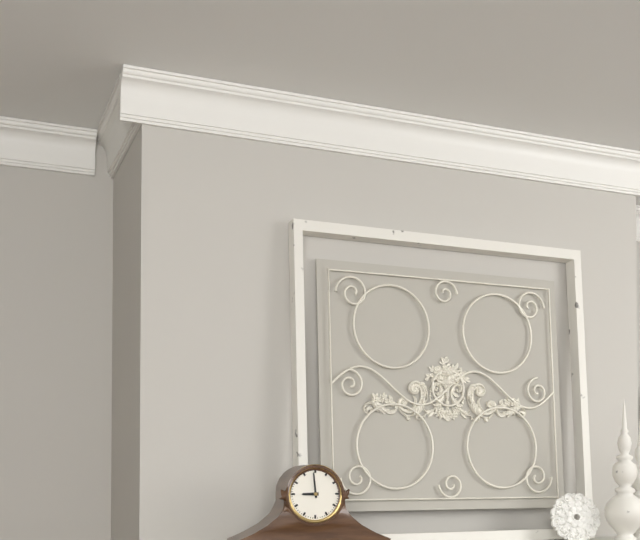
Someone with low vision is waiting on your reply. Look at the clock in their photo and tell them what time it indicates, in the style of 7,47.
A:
8,59
